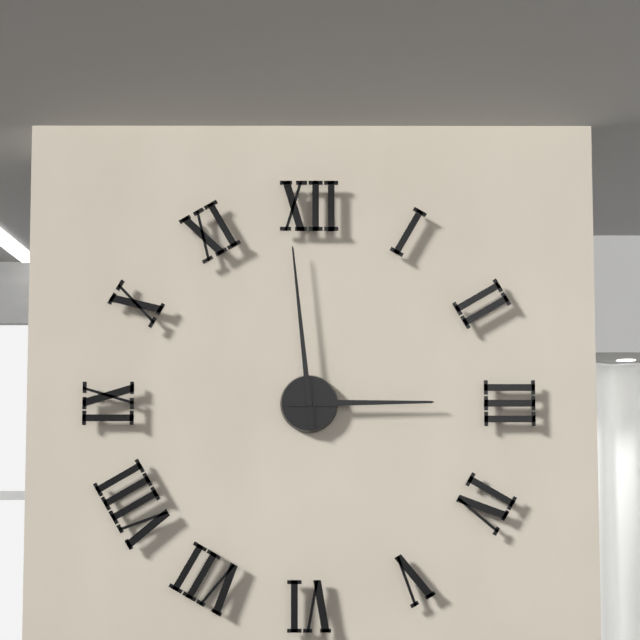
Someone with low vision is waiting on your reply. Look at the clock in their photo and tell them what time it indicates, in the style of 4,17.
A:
2,59
